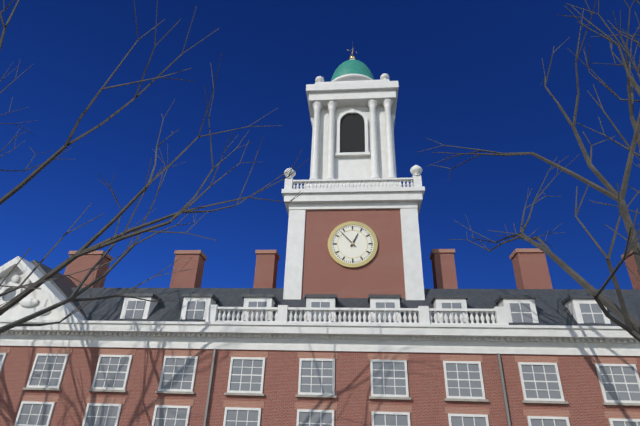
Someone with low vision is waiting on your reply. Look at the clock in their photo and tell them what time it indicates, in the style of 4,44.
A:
12,53
